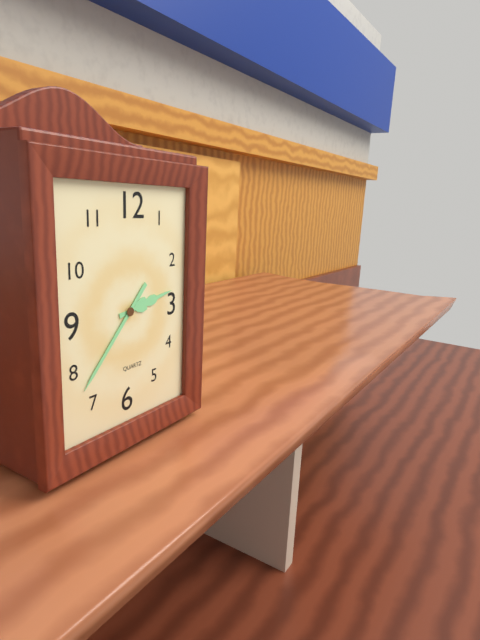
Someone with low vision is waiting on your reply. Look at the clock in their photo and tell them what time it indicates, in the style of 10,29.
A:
2,37
